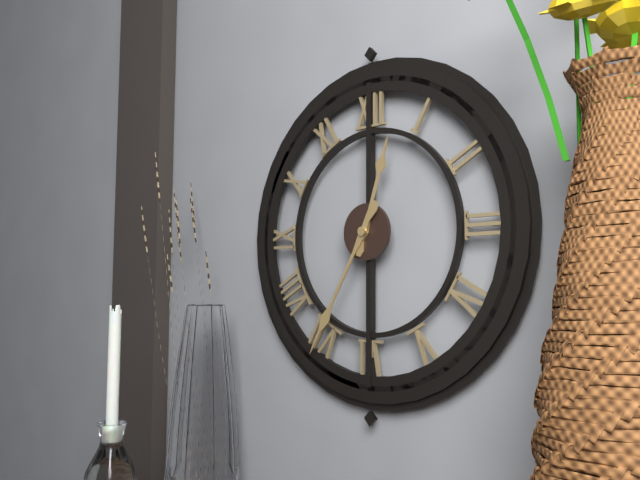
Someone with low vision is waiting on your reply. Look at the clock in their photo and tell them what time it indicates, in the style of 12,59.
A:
12,35
